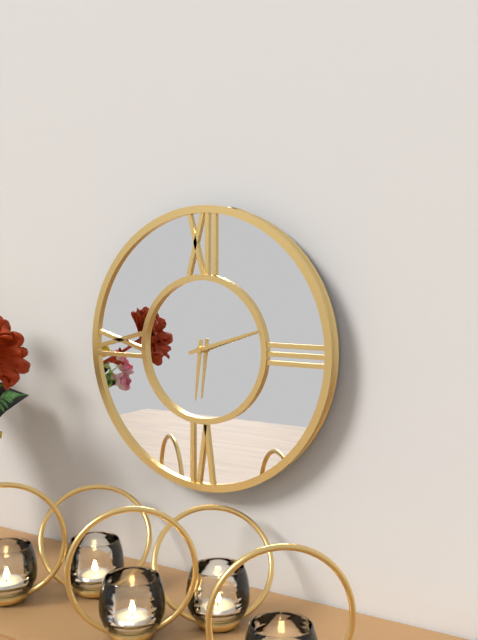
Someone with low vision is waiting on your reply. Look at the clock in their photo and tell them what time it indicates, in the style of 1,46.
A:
6,12
